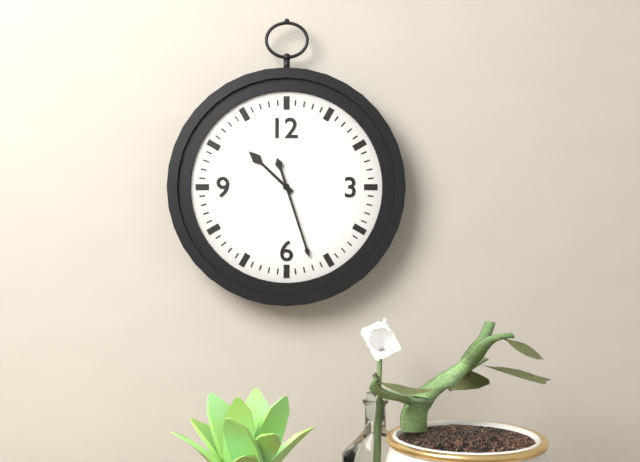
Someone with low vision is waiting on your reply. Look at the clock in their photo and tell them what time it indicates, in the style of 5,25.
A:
10,27
